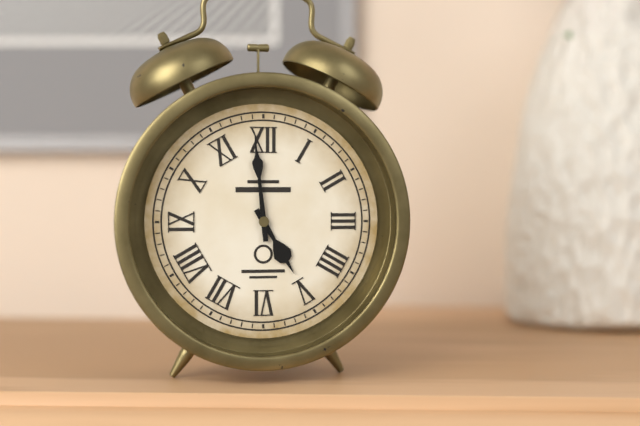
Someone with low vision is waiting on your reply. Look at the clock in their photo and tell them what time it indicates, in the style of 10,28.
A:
4,59
